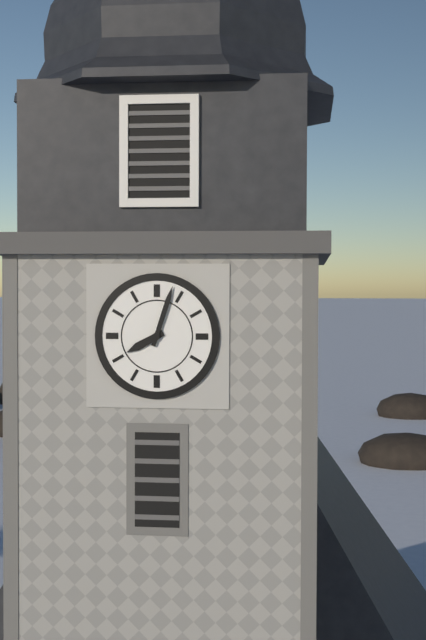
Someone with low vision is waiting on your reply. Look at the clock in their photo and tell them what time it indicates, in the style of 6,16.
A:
8,03
